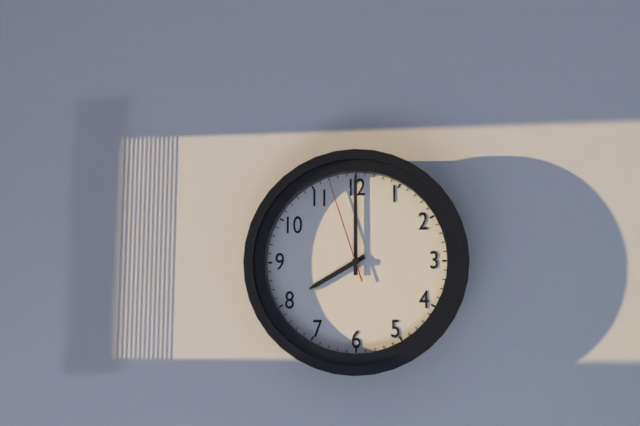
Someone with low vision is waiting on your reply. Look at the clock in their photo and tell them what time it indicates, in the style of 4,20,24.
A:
8,00,57
